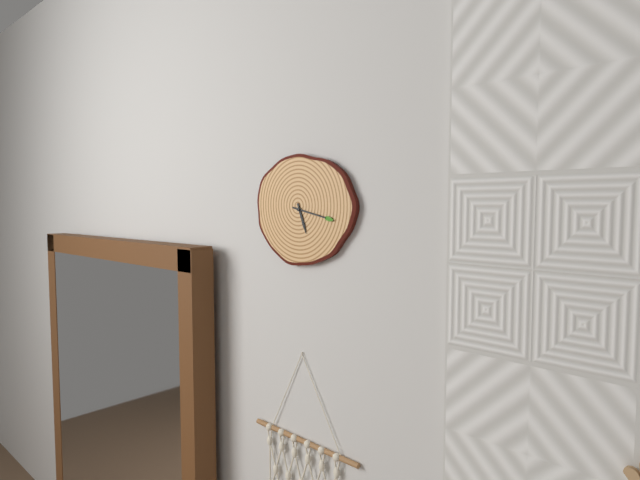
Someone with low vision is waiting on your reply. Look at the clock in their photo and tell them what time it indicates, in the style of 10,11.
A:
5,17
